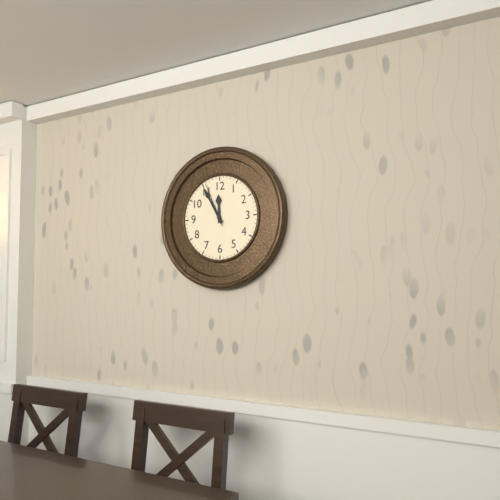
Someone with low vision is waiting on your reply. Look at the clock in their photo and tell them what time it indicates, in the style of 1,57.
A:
11,55
